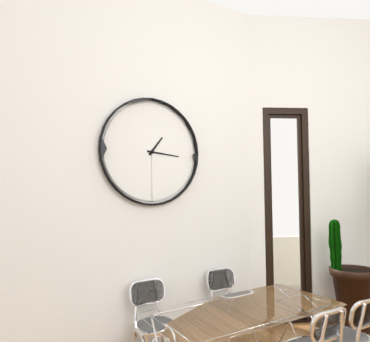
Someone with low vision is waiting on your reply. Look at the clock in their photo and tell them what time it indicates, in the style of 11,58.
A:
1,16
